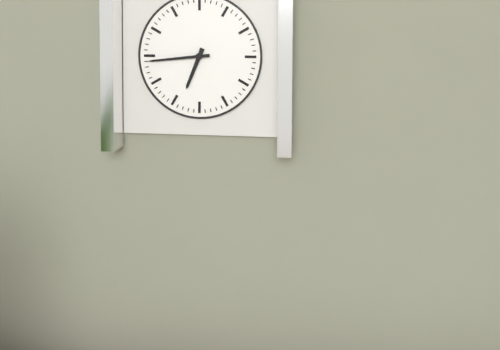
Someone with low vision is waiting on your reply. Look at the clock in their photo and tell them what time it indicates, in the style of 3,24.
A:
6,44
